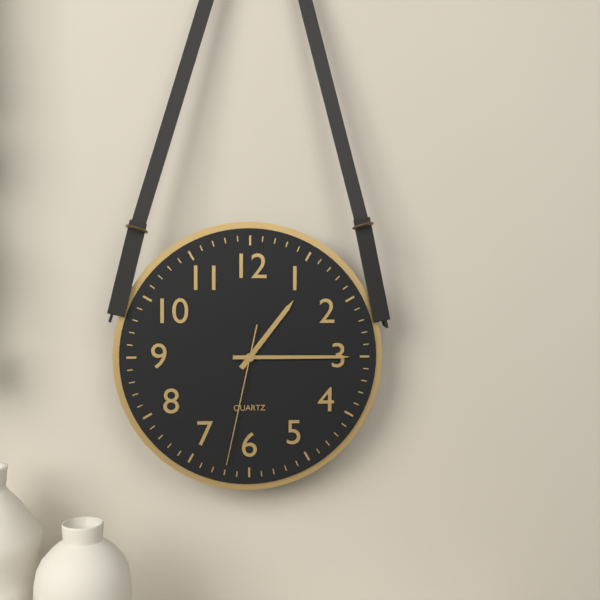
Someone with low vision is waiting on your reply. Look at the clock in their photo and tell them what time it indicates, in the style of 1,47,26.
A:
1,15,32
